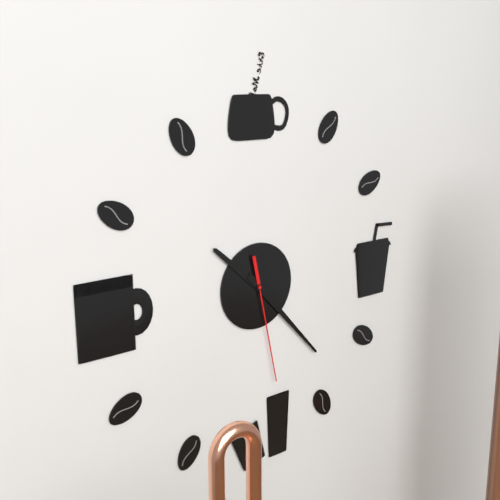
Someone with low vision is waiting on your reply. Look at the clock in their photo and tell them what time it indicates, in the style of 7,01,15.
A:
10,23,28
